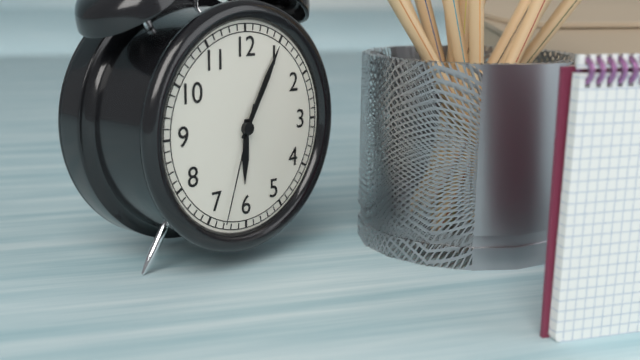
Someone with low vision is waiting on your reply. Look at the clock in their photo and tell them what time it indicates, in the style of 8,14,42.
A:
6,05,33
